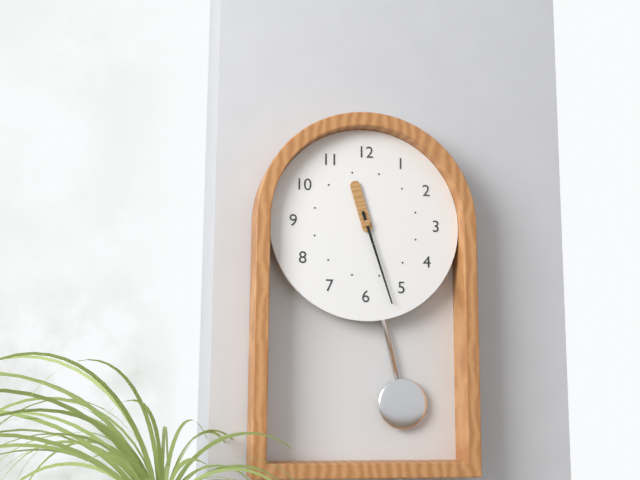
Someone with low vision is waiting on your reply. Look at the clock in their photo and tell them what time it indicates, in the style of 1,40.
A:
11,27
